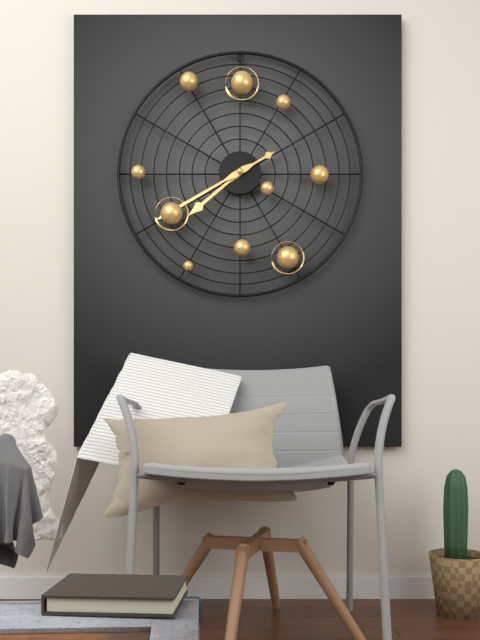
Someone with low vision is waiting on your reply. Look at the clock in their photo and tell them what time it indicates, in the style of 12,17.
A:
7,40
